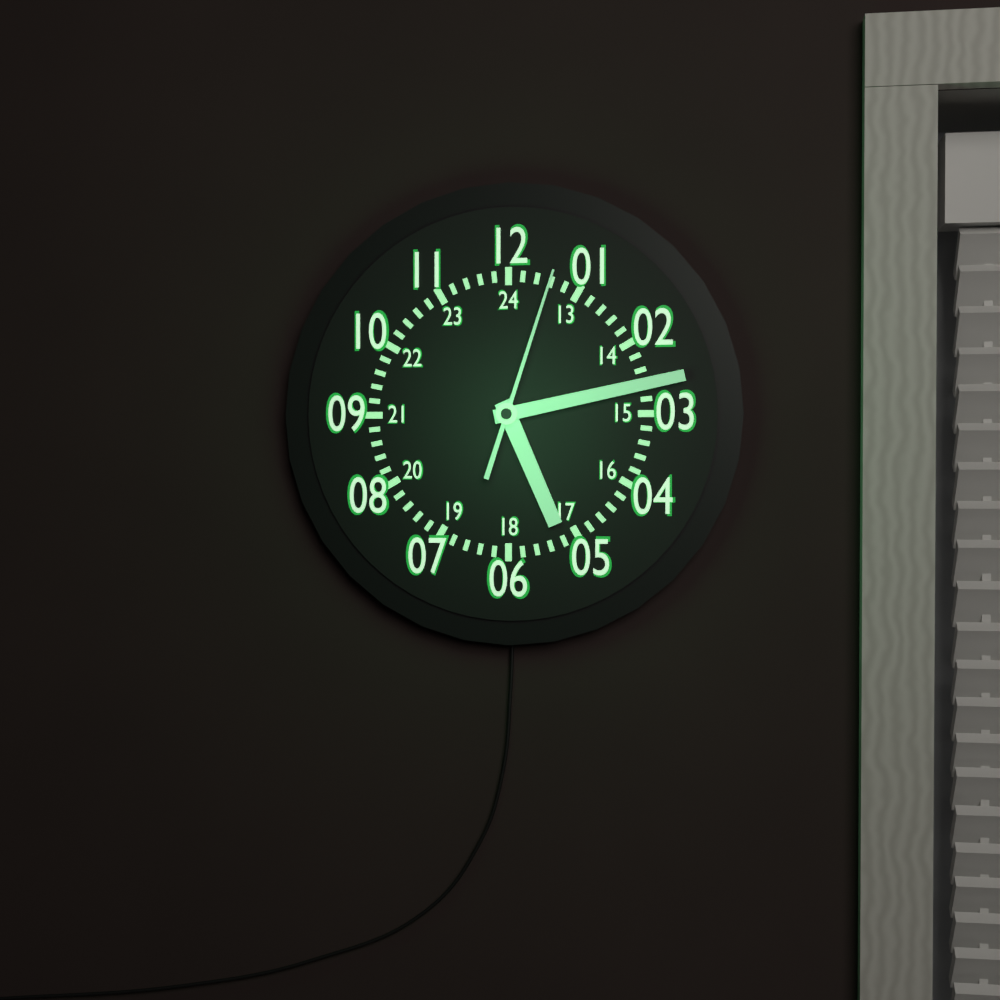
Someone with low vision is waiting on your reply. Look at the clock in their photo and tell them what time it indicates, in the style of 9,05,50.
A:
5,13,03
